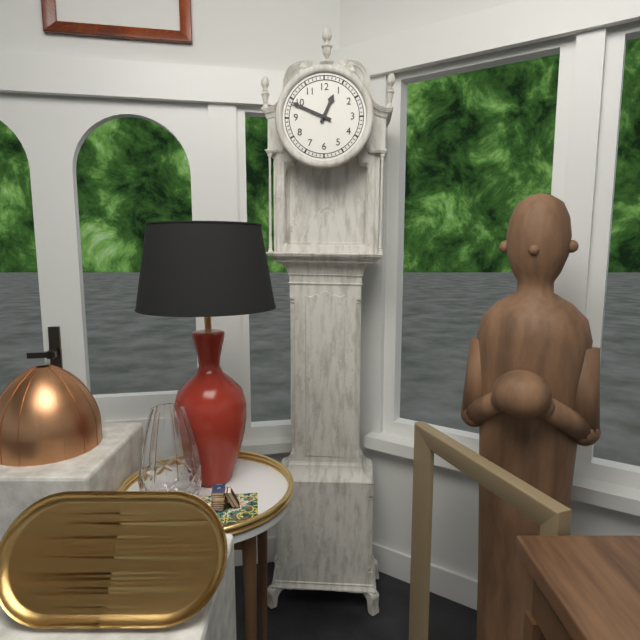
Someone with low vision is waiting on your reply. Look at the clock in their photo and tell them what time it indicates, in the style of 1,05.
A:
12,49
